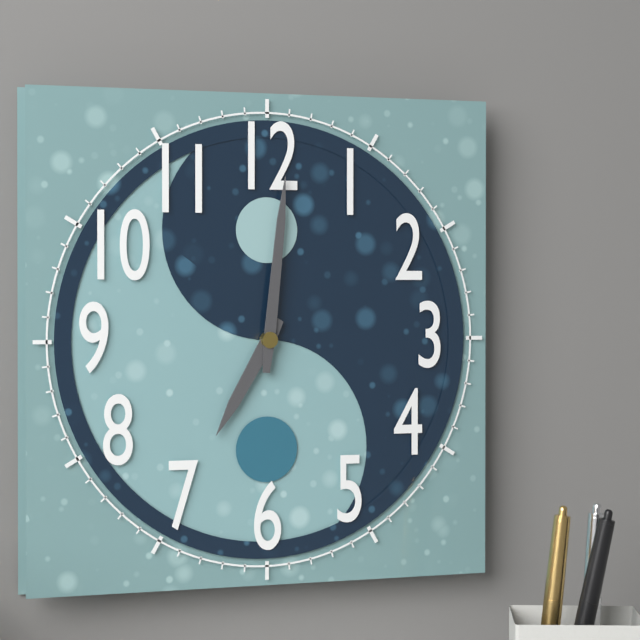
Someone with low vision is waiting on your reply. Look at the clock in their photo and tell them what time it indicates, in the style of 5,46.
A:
7,01
